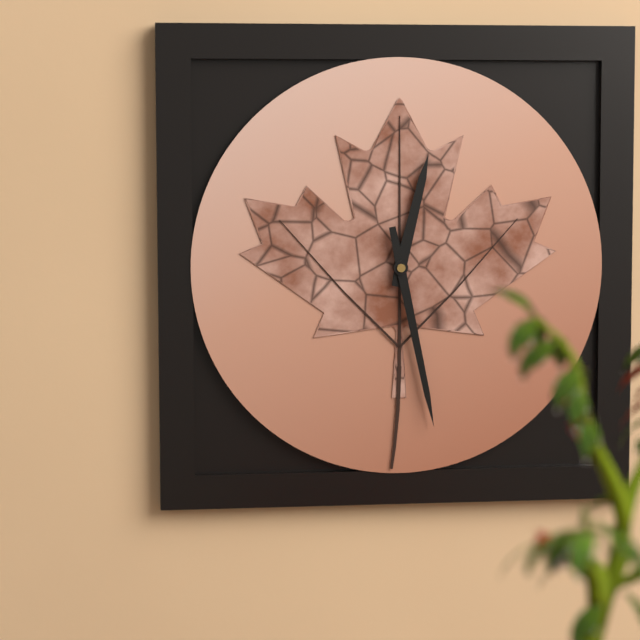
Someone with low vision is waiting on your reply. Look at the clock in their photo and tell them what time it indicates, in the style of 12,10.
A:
12,28
